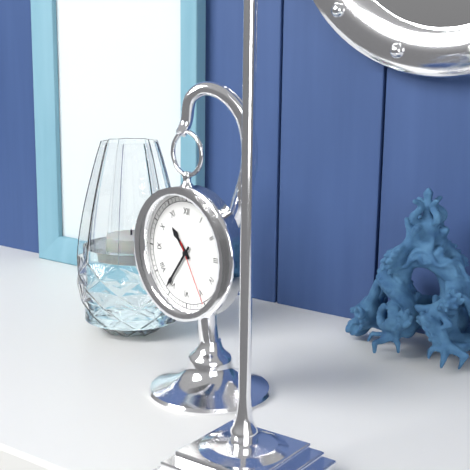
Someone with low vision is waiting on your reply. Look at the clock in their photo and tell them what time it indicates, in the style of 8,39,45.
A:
10,36,25
